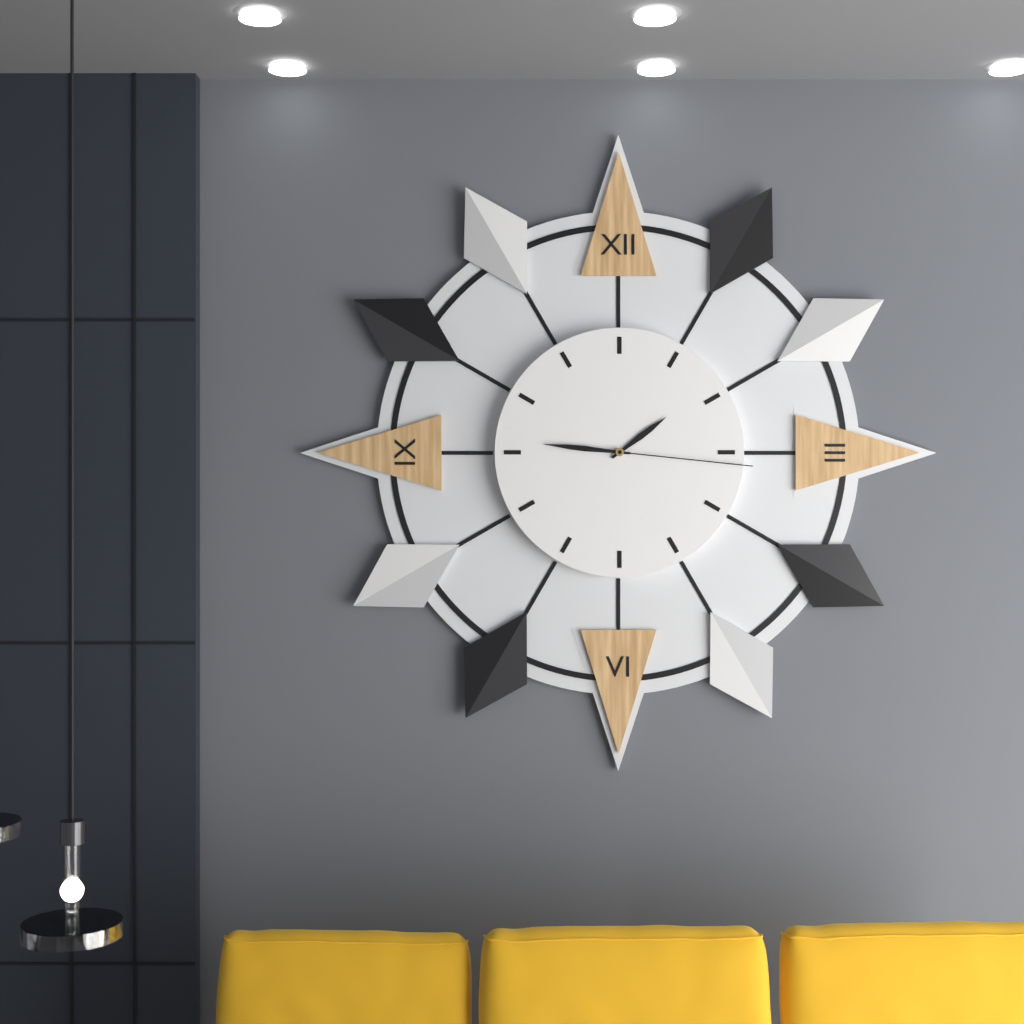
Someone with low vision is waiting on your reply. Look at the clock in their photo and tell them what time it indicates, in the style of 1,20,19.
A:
1,46,16
